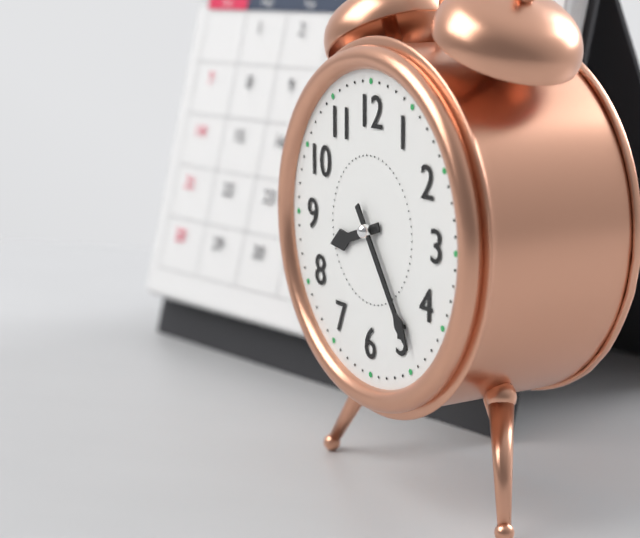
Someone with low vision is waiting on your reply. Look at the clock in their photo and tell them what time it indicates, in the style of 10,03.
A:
8,24
